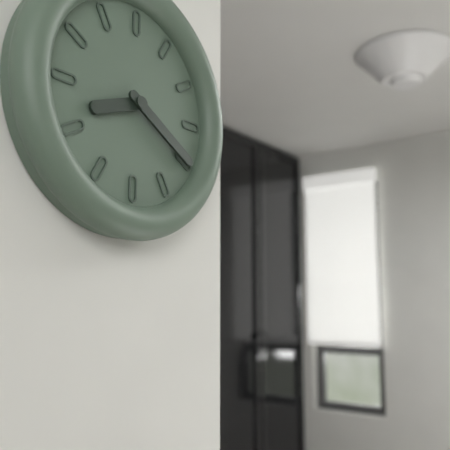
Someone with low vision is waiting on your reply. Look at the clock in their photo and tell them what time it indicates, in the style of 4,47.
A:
8,20
